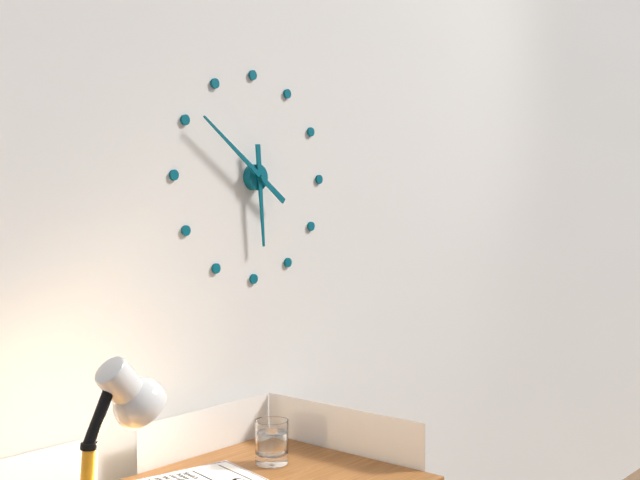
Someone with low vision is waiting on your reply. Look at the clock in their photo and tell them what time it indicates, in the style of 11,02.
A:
5,51
